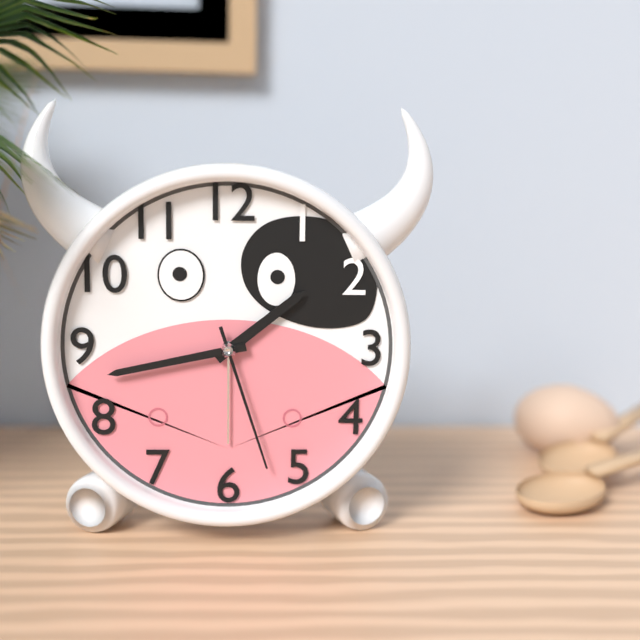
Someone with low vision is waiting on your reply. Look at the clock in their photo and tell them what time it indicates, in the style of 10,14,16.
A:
1,43,27
